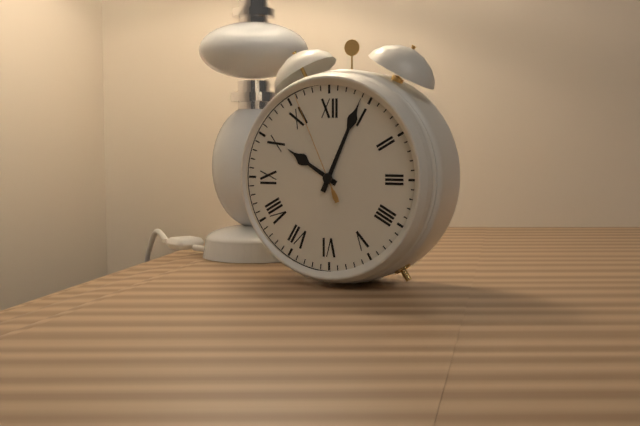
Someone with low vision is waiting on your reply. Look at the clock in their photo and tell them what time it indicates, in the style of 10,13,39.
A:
10,04,56
